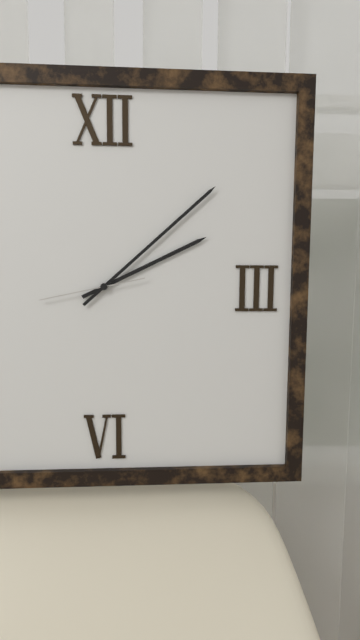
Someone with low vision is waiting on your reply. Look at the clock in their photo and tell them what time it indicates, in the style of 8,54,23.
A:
2,08,43
